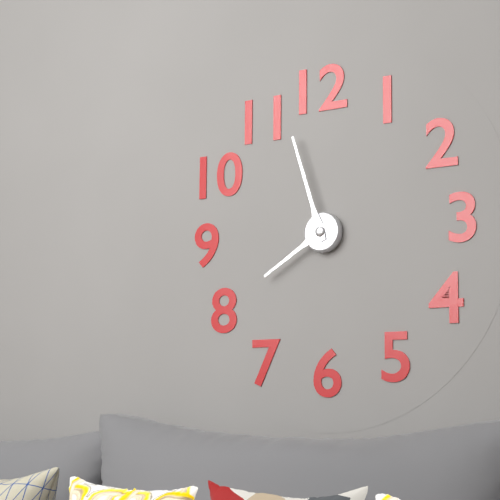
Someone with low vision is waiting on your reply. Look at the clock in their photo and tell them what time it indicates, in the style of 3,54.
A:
7,57
